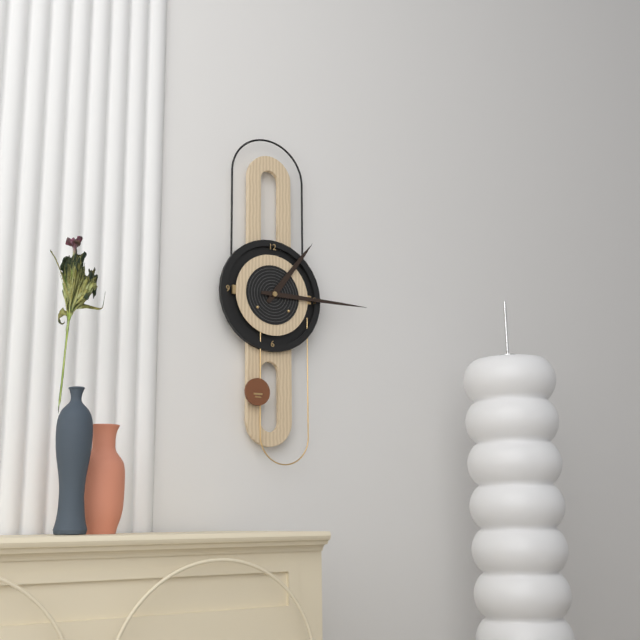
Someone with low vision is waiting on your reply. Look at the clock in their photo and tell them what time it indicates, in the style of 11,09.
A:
1,15
